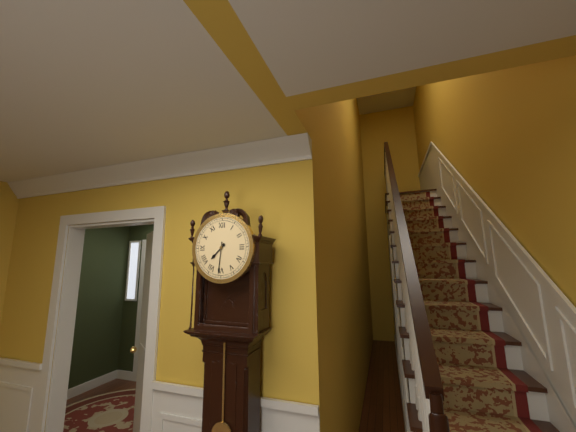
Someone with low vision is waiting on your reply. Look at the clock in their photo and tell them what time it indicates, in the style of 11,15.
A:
7,31
